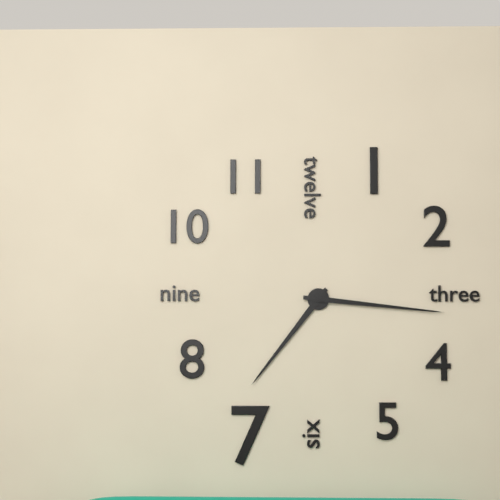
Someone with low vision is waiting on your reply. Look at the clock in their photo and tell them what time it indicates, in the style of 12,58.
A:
7,16
